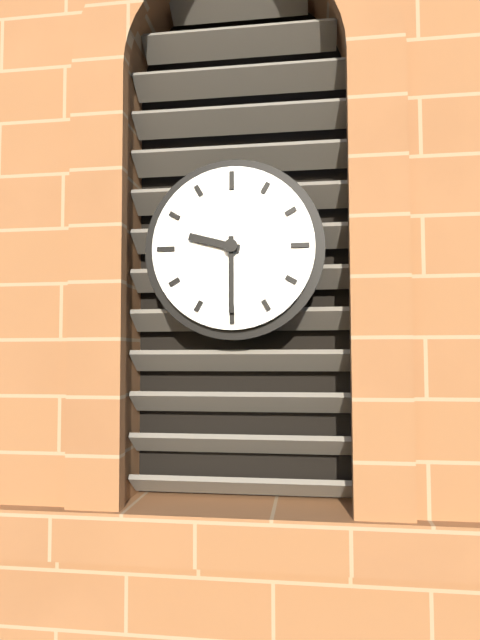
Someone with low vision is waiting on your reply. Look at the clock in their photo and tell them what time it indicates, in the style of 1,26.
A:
9,30
